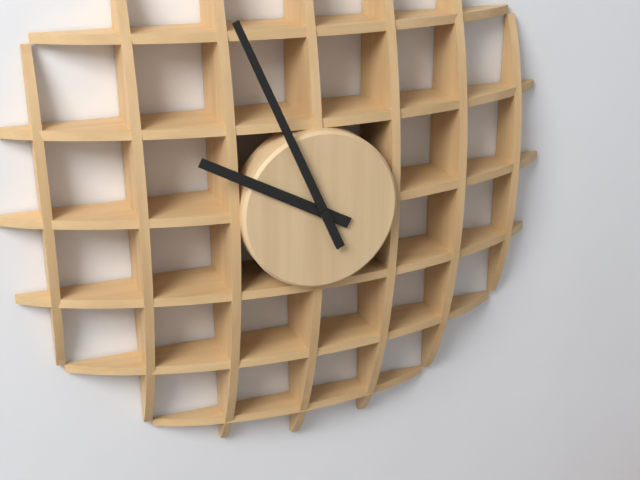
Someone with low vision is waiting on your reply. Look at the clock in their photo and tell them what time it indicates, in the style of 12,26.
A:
9,56
